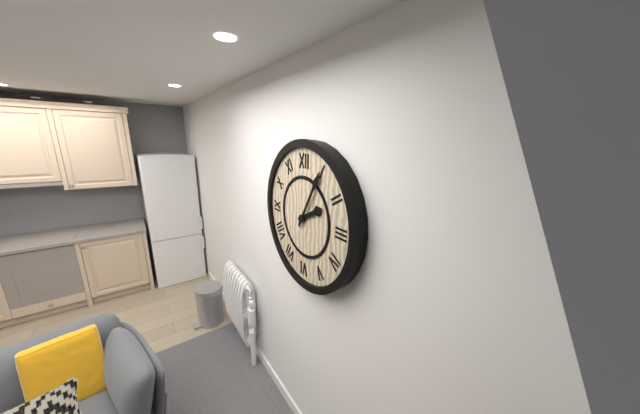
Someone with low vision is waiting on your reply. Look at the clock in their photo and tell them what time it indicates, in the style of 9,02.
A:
2,05
